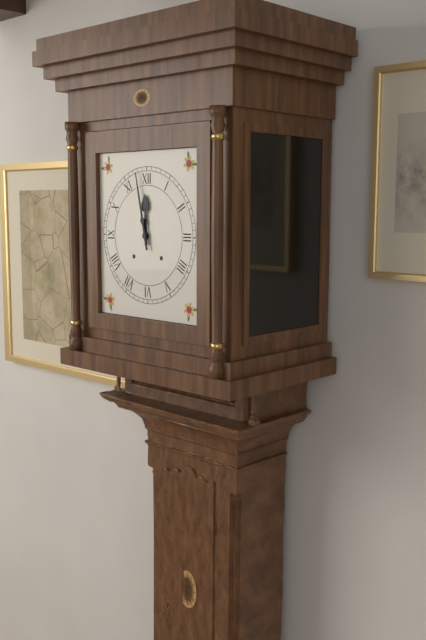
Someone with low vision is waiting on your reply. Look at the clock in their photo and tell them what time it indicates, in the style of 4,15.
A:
11,58
